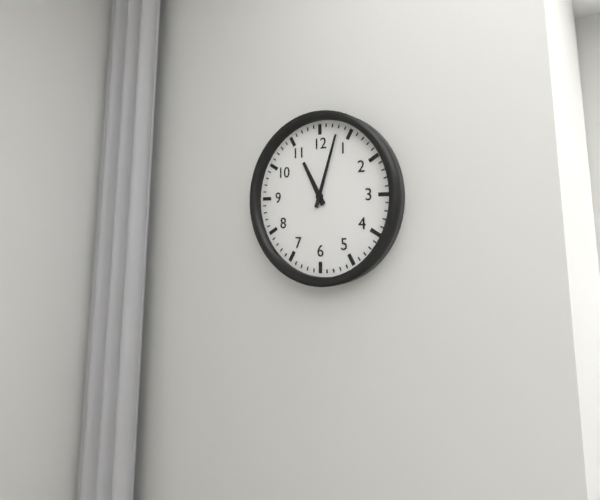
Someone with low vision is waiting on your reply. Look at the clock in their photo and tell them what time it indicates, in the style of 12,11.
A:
11,03
